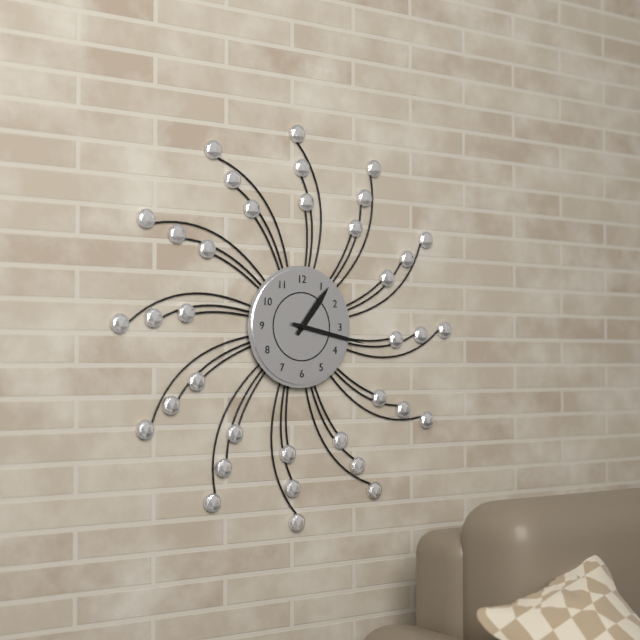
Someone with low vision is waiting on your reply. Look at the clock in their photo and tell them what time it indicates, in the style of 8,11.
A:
1,17
